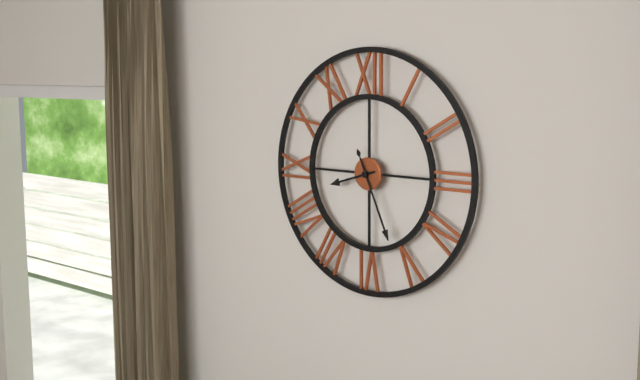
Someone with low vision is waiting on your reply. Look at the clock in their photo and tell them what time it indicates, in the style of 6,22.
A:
8,26
